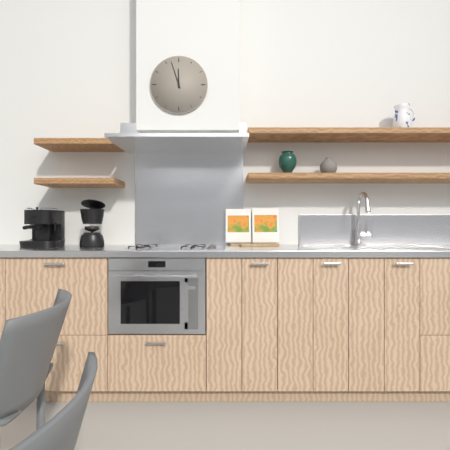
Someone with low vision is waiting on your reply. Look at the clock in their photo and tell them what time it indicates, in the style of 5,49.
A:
11,57
